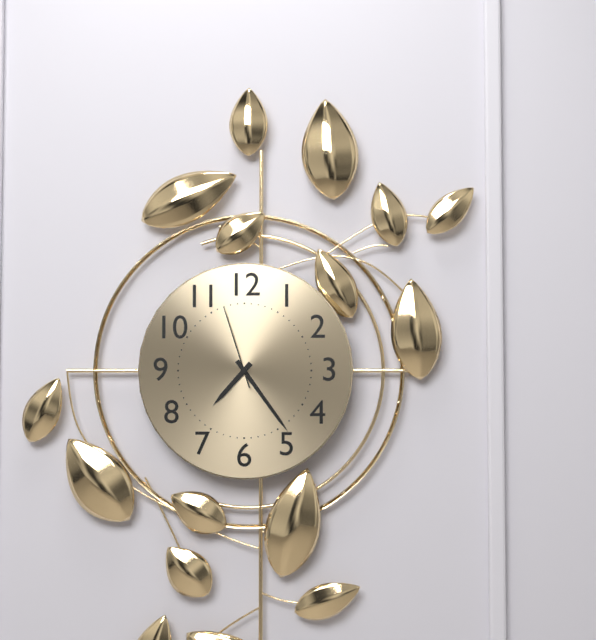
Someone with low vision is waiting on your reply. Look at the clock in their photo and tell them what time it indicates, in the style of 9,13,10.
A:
7,24,57
